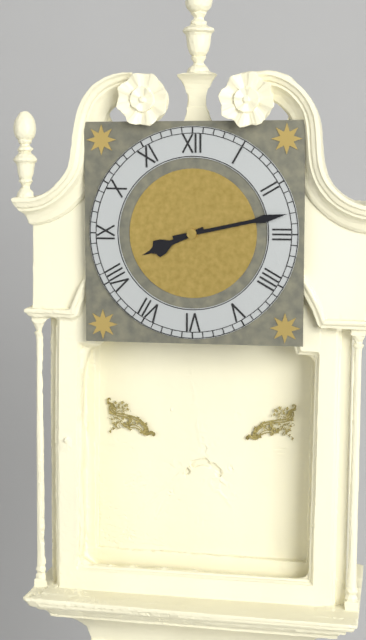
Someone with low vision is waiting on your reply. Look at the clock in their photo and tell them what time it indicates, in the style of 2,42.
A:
8,13
